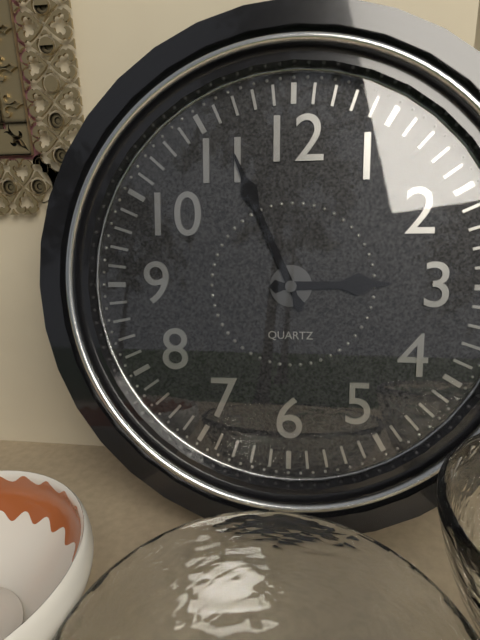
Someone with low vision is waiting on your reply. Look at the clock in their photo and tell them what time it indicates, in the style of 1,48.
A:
2,56
